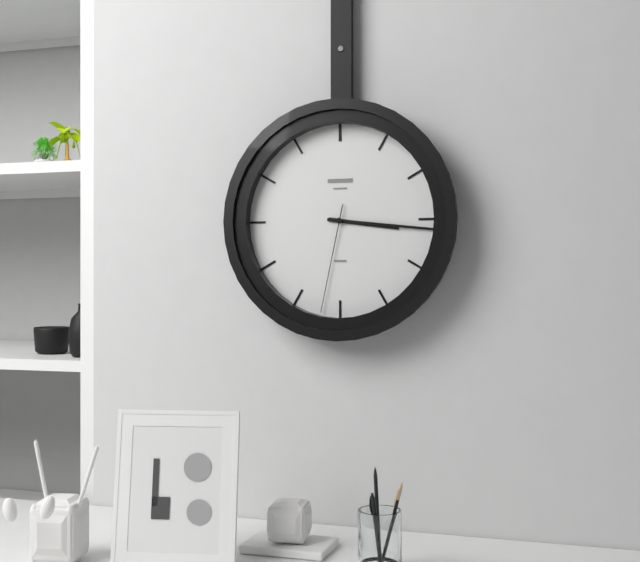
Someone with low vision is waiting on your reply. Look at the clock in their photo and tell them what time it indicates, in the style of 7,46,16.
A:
3,16,32
